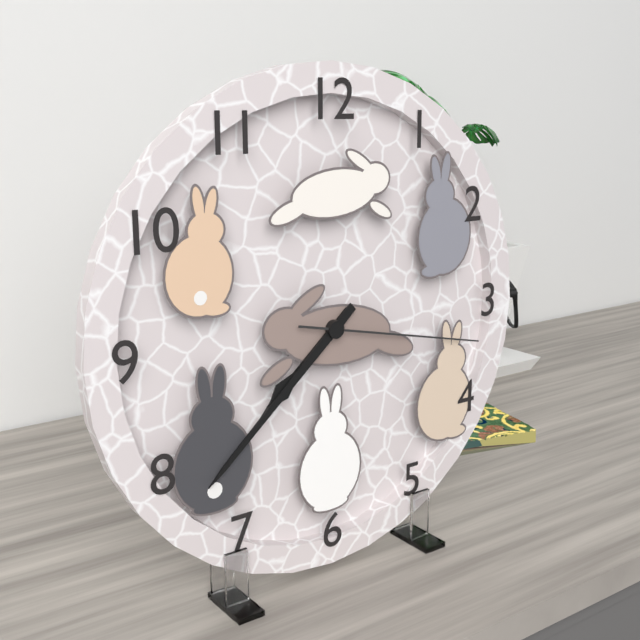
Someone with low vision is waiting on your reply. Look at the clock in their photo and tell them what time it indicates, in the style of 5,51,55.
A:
7,38,17
